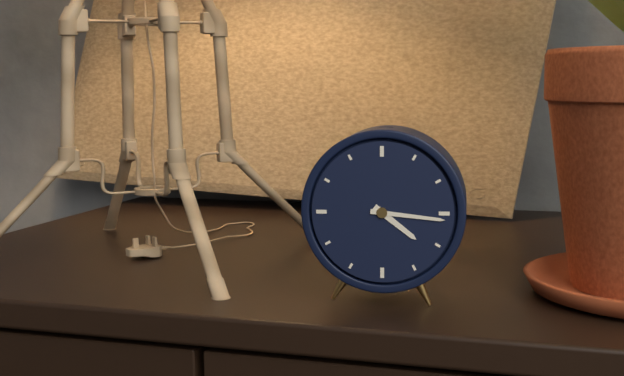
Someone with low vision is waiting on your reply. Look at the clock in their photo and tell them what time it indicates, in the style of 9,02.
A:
4,16
